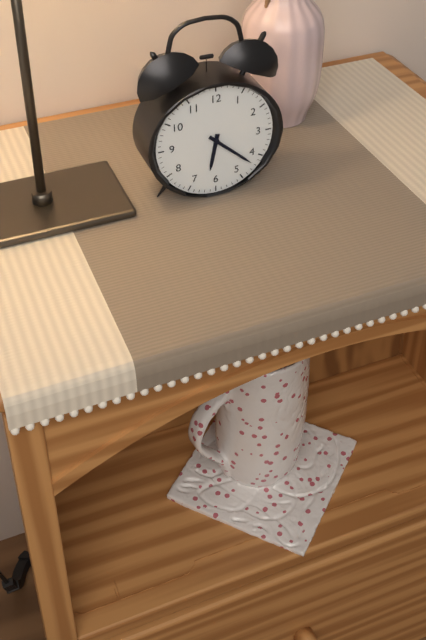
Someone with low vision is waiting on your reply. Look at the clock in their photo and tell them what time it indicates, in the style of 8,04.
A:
6,22
